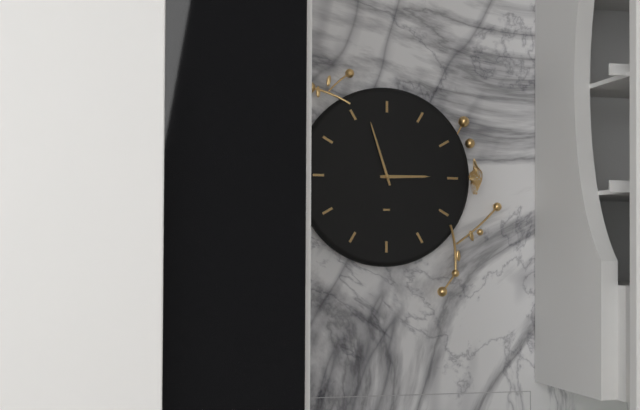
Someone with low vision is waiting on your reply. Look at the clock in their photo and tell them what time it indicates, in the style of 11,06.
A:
2,57
